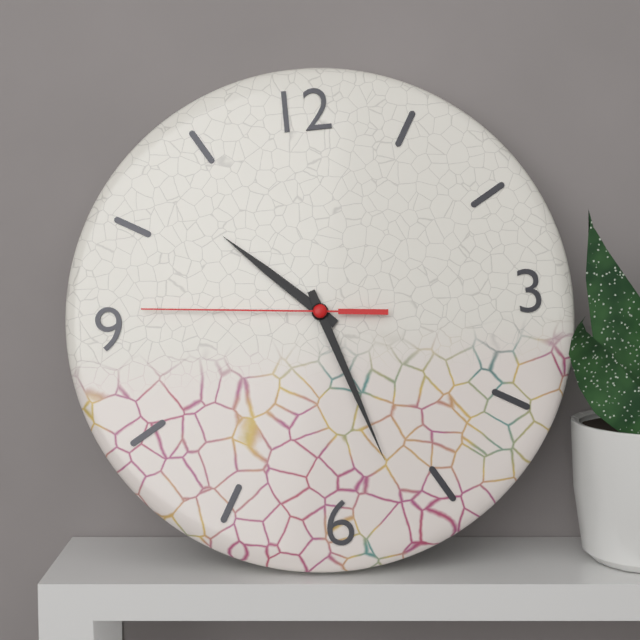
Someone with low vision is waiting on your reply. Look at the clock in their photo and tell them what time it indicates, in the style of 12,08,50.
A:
10,27,46
